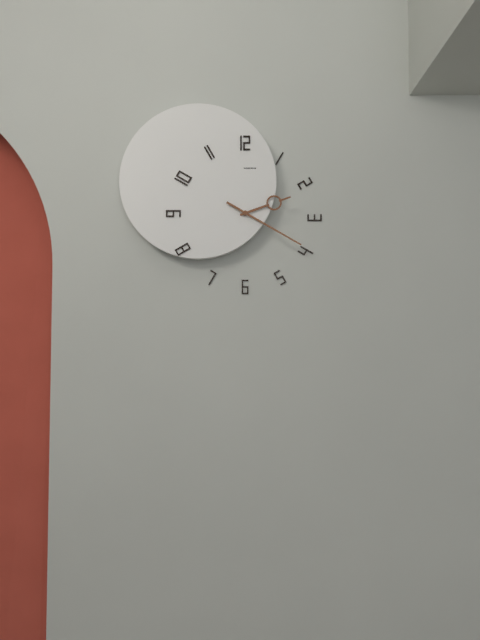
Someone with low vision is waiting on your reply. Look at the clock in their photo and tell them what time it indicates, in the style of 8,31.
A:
2,20
